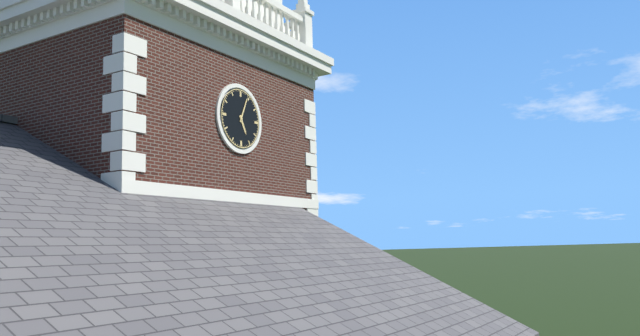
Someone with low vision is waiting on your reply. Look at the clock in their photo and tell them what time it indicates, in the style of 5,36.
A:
5,04
